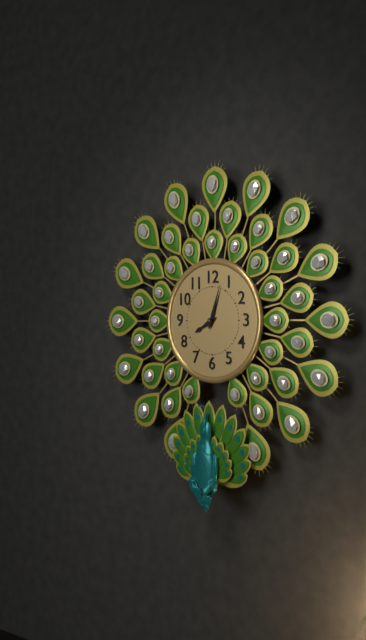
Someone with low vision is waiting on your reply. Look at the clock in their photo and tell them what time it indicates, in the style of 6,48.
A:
8,03
